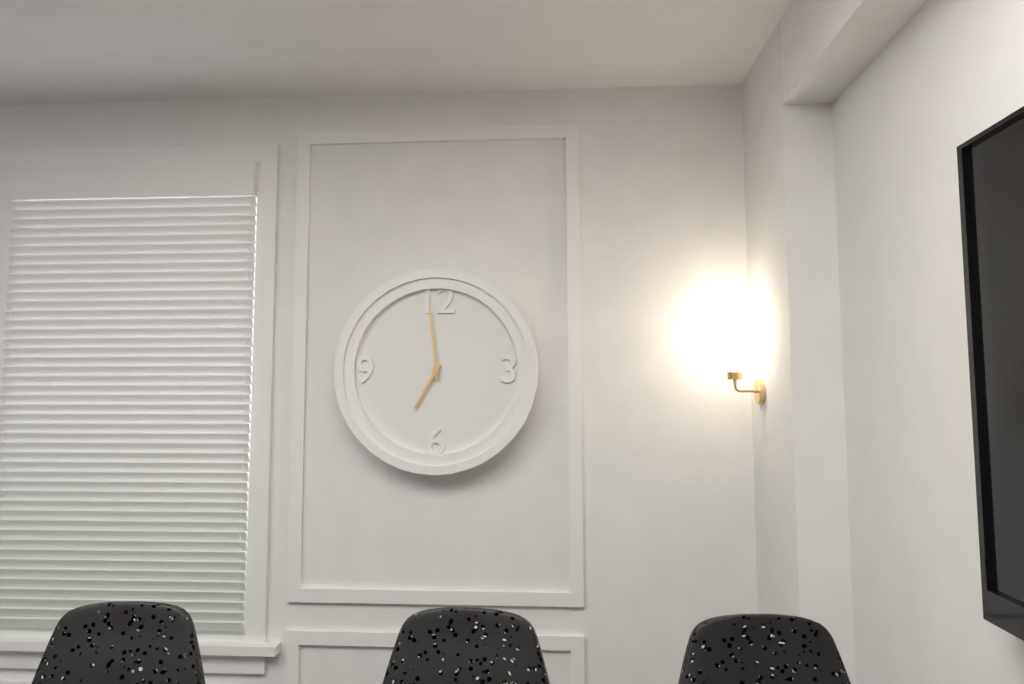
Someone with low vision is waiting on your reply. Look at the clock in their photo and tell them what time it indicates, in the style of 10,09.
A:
6,59
